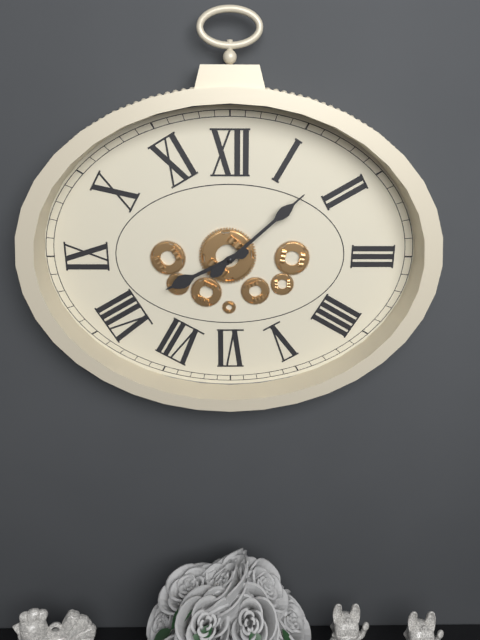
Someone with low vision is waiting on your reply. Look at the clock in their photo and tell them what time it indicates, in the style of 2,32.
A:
8,08
